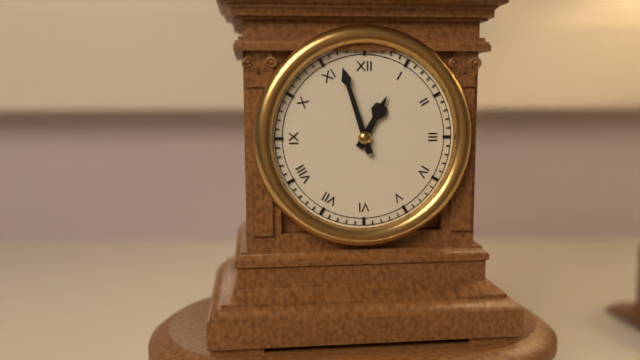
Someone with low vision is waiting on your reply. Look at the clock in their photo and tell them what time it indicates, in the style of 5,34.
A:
12,57
